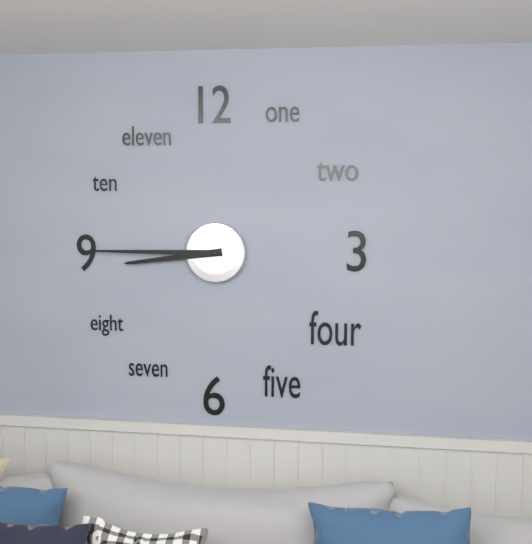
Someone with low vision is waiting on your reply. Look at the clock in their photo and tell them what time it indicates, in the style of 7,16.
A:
8,45
